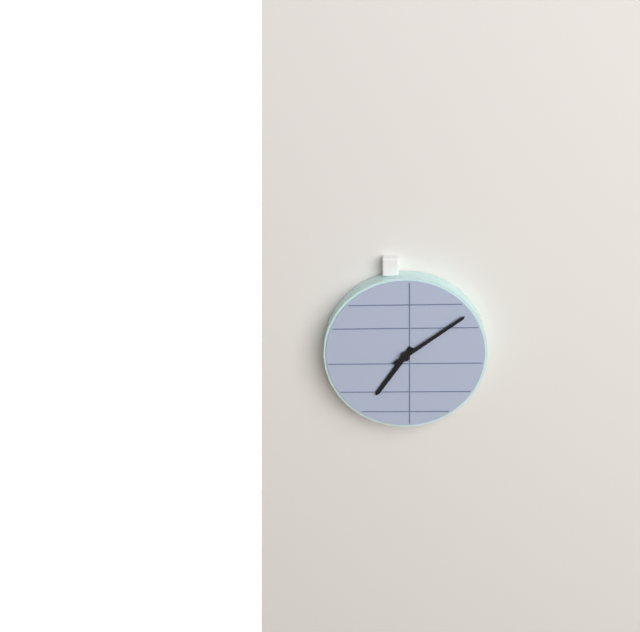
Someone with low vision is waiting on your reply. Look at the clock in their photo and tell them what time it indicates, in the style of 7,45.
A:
7,09
